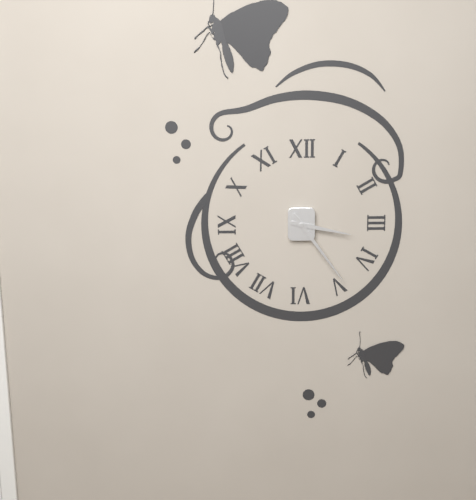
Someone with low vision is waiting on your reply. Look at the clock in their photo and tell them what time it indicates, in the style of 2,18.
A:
3,24
